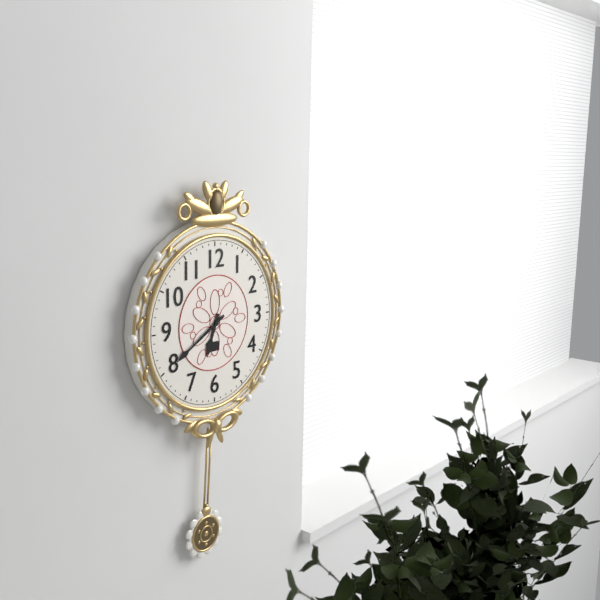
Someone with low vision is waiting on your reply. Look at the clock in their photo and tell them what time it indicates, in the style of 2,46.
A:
6,40
